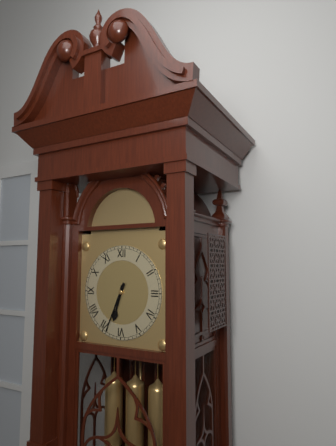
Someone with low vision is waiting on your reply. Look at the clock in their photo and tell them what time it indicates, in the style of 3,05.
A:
6,34
